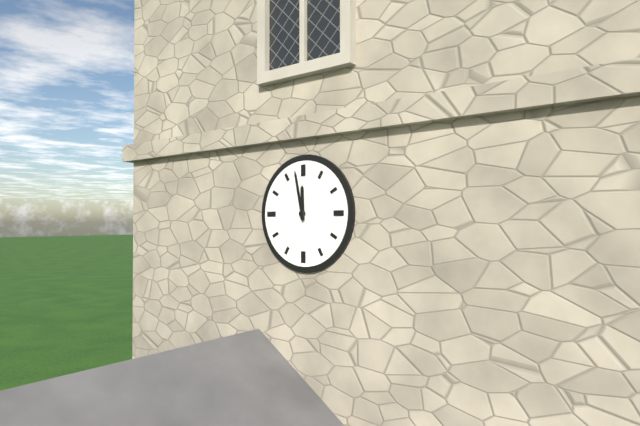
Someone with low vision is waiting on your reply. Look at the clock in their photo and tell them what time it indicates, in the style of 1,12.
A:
11,58
